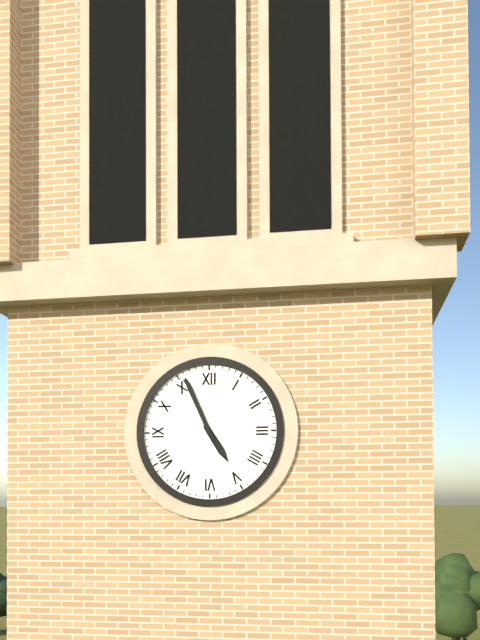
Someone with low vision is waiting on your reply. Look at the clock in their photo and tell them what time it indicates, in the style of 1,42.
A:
4,56
